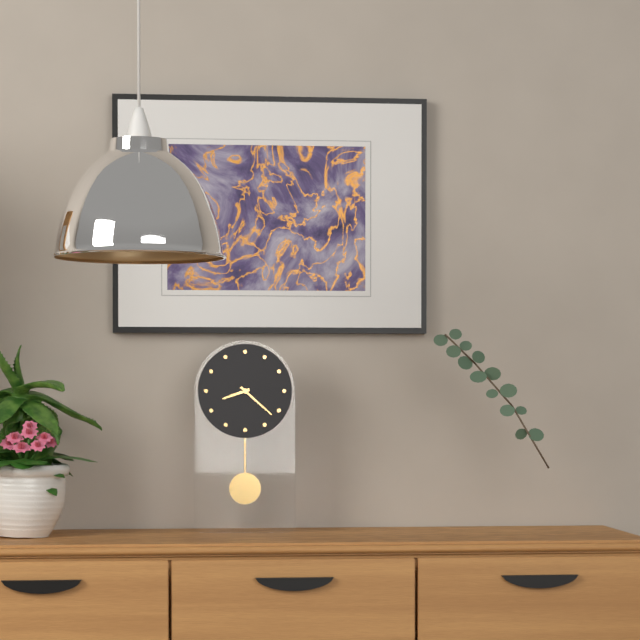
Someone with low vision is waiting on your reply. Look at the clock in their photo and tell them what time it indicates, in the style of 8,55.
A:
8,22
